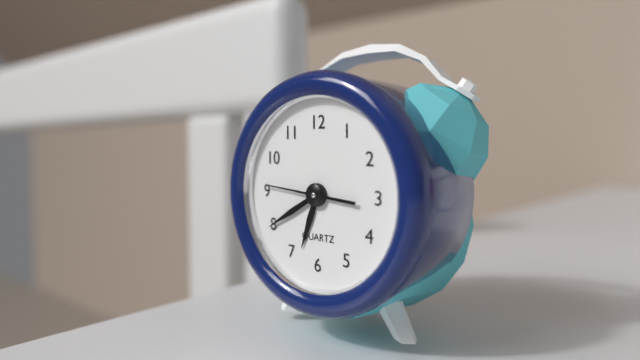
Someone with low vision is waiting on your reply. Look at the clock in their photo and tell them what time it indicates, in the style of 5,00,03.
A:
6,40,46
